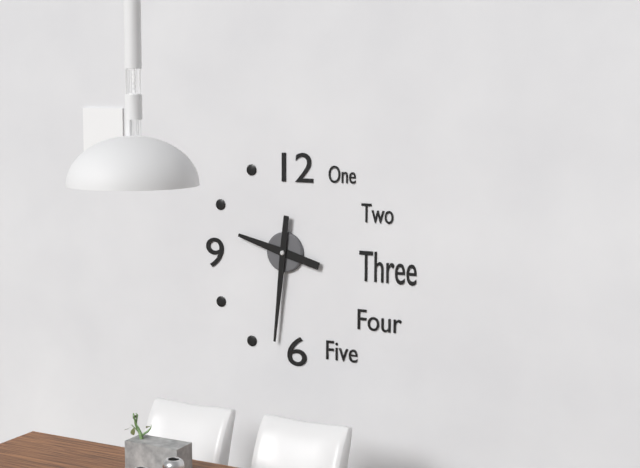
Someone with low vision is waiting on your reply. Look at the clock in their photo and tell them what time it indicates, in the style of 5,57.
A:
9,31
